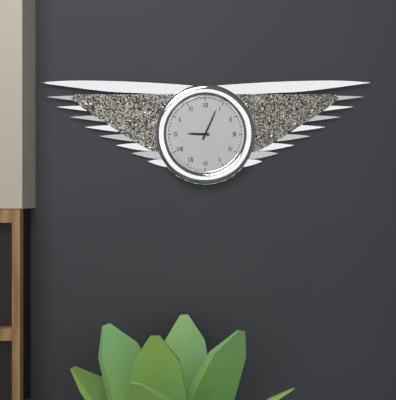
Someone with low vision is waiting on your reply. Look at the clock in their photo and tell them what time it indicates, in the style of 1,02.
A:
9,04
